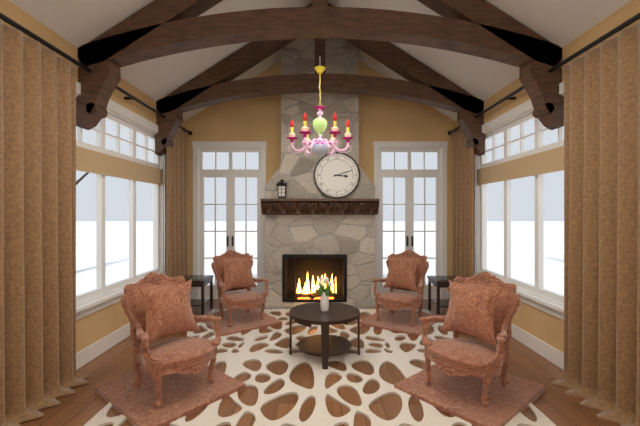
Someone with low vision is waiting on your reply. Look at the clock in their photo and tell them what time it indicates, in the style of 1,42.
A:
3,12
